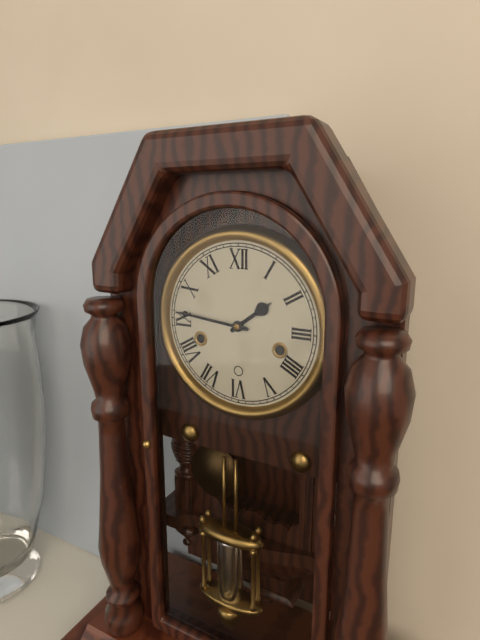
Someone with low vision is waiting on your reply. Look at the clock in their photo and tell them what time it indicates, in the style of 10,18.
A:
1,46
